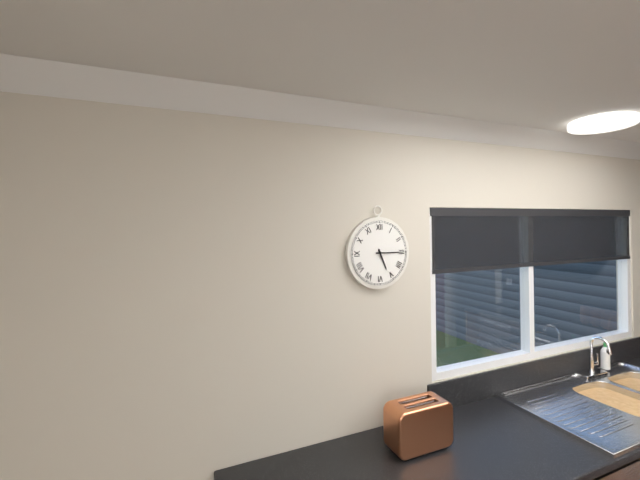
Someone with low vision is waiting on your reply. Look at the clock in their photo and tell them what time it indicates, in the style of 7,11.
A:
5,15
